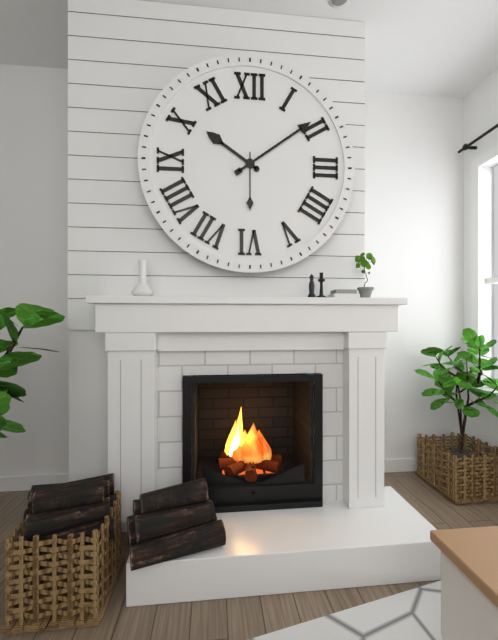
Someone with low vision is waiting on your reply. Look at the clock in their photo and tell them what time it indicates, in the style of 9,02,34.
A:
10,09,30
